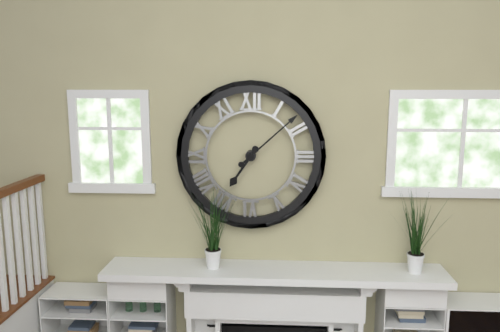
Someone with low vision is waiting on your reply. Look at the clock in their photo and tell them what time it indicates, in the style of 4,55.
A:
7,08
